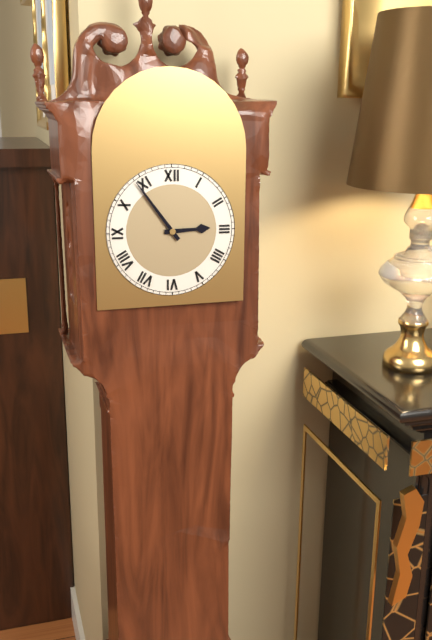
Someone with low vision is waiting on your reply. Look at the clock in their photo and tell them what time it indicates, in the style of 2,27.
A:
2,54
